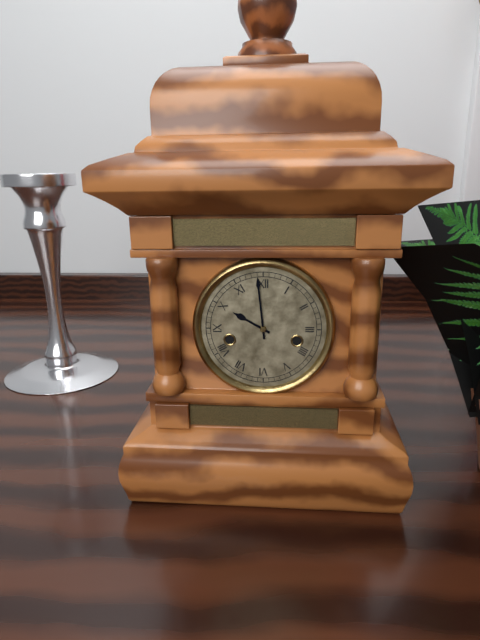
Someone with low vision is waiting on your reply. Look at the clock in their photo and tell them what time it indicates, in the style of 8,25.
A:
9,59
